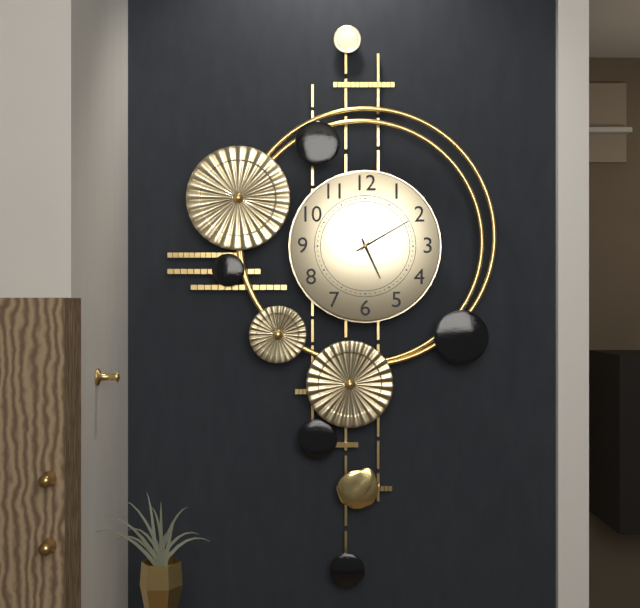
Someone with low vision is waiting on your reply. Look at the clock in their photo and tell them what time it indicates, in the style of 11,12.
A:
5,10
